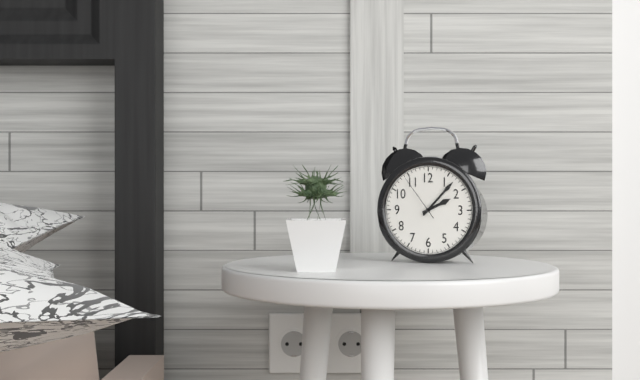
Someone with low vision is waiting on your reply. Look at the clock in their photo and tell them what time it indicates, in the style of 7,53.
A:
2,07
